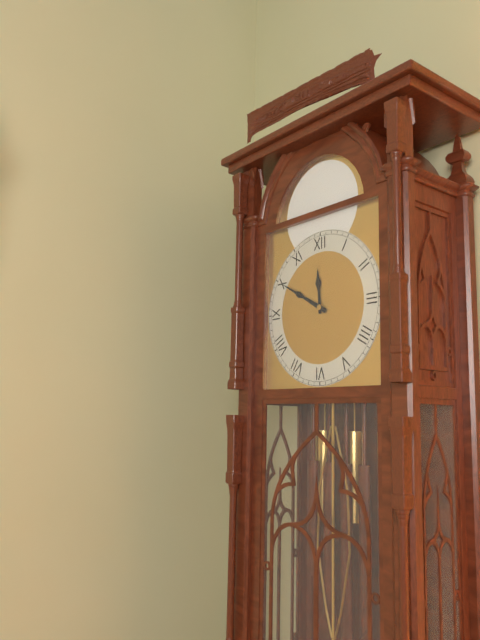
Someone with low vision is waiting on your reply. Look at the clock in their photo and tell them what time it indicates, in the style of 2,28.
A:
11,50
